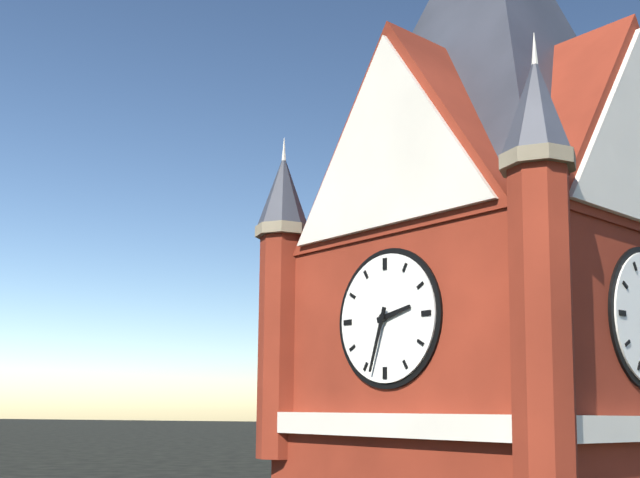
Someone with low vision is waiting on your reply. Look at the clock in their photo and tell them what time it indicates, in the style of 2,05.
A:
2,33
